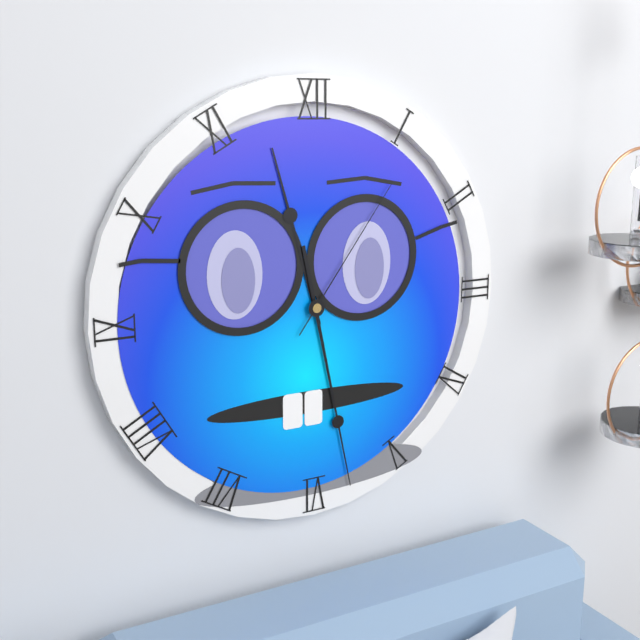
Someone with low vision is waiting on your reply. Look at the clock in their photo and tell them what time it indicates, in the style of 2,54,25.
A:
11,28,06
